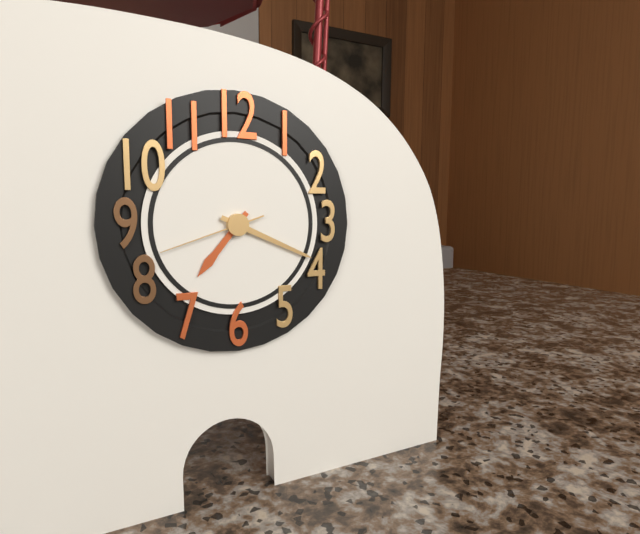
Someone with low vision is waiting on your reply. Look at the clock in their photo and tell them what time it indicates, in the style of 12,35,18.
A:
7,19,42
